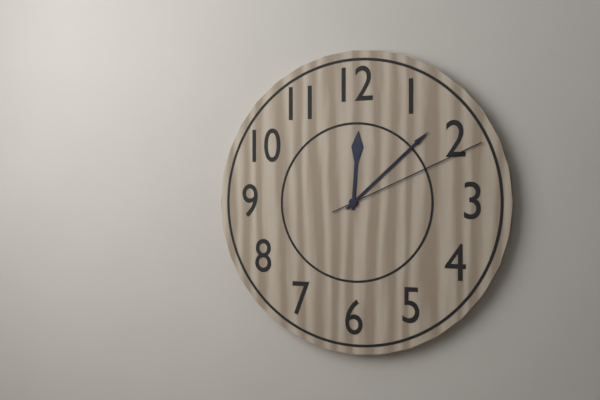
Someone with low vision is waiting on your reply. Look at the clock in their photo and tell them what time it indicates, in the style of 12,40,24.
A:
12,08,11
